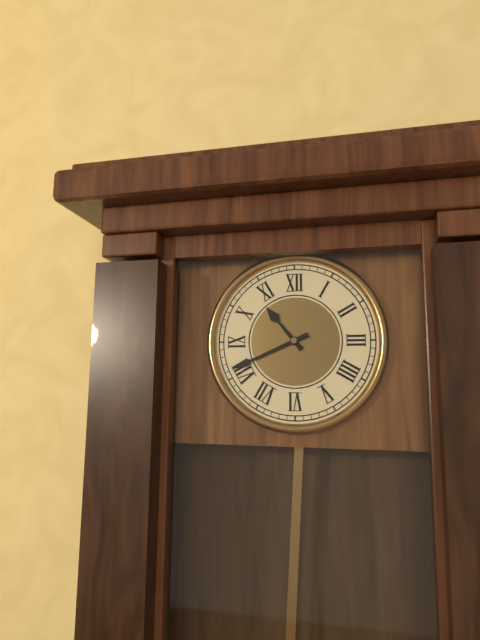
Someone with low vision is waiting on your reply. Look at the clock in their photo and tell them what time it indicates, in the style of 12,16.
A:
10,41
